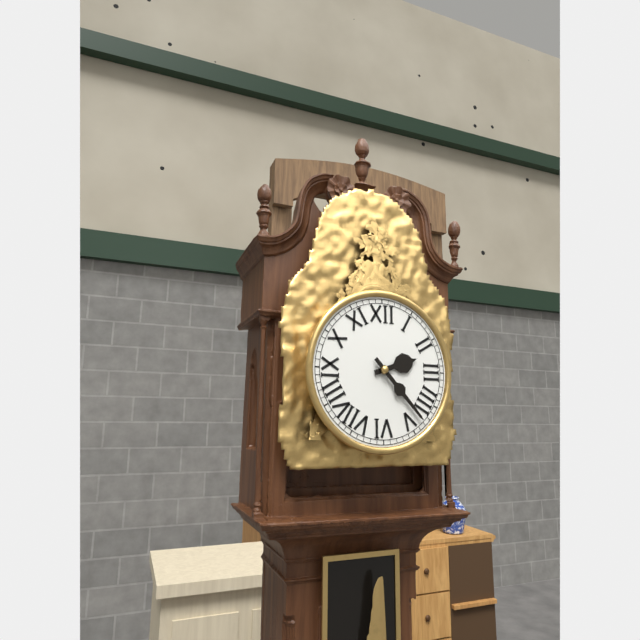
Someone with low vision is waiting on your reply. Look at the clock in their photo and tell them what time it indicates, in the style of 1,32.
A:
2,23
